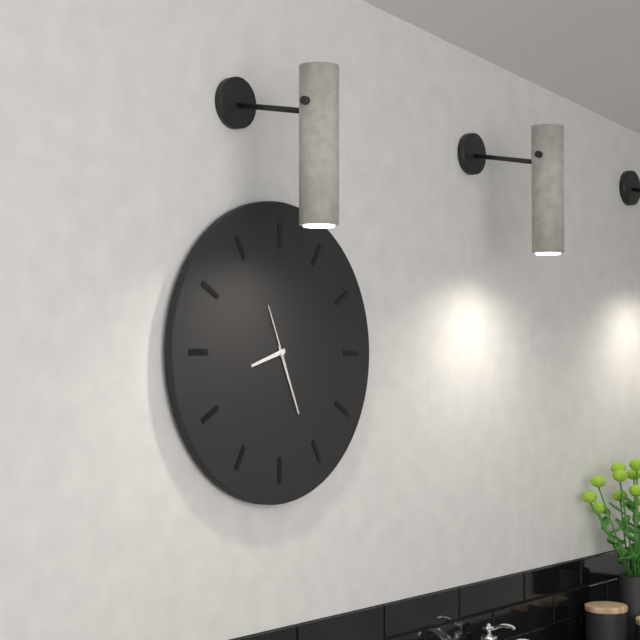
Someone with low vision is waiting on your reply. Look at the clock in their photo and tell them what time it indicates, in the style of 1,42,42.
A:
8,26,56
